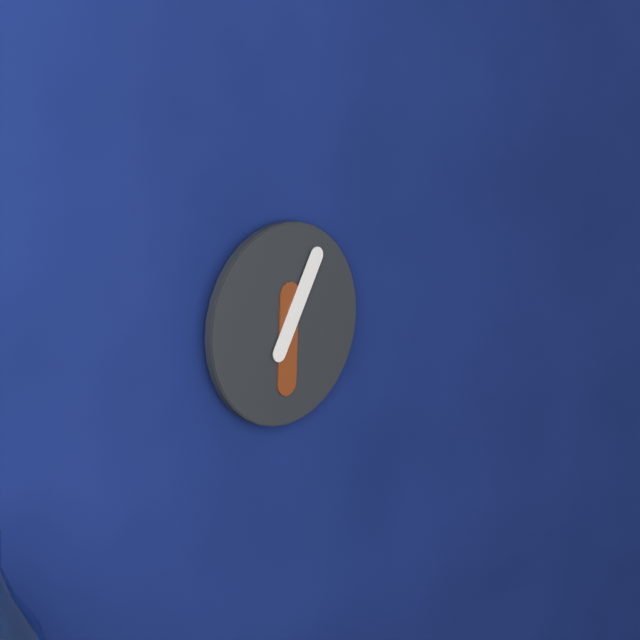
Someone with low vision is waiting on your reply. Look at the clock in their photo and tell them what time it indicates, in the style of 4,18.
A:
6,05
